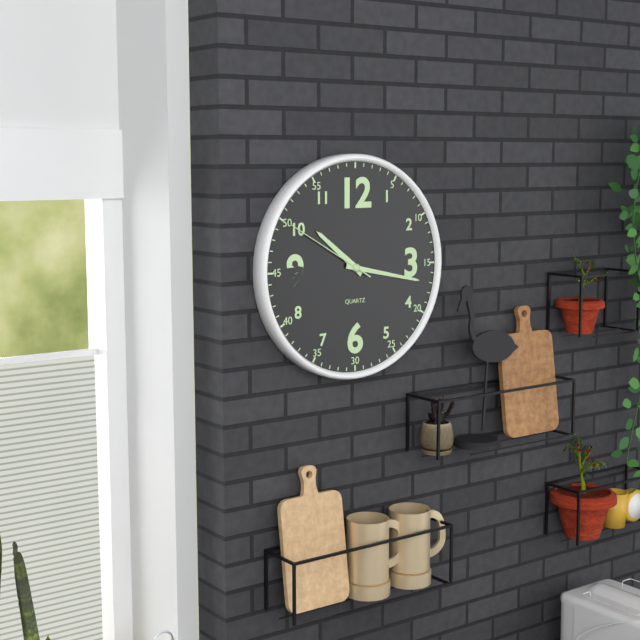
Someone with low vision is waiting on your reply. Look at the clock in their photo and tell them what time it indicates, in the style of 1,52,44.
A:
10,17,50
